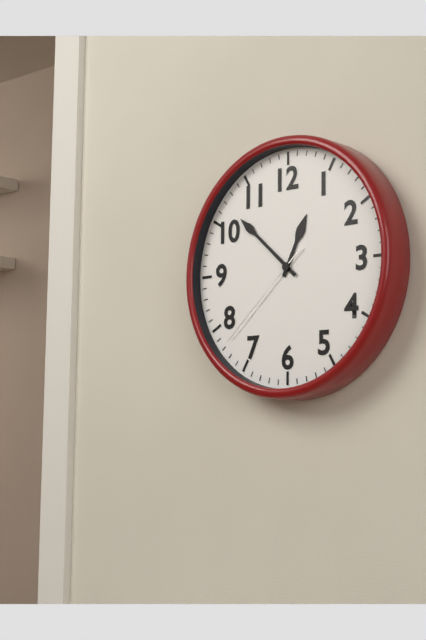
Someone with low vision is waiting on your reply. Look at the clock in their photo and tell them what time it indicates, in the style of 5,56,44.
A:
12,52,38
